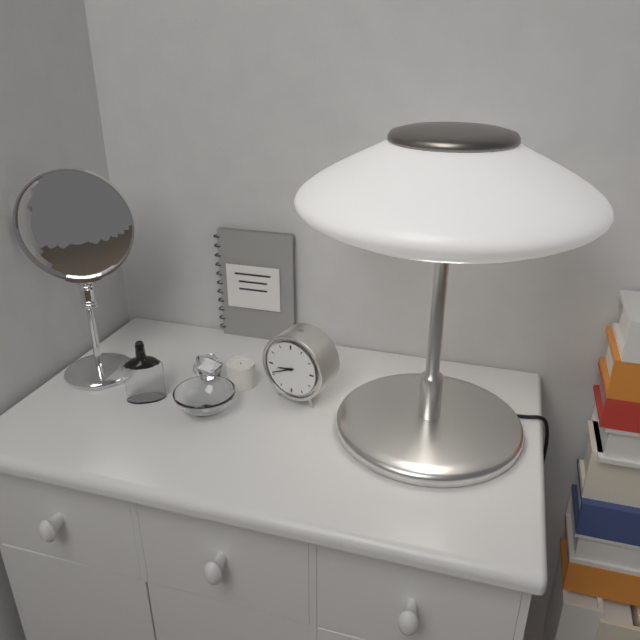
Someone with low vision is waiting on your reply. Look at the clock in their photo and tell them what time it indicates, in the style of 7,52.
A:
8,41
